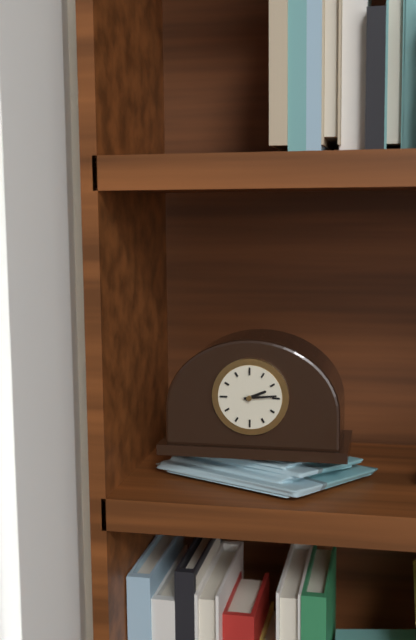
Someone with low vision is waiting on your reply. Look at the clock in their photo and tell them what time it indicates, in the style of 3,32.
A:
2,14
